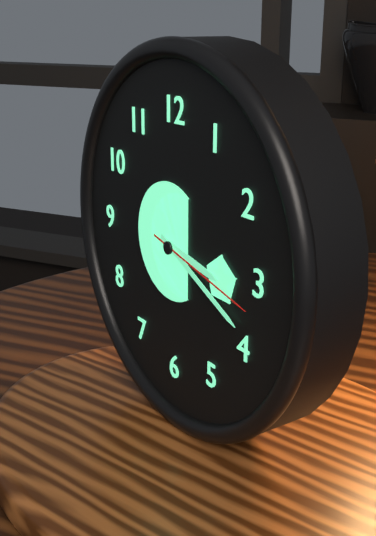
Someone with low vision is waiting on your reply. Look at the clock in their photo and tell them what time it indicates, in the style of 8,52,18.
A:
3,19,17
